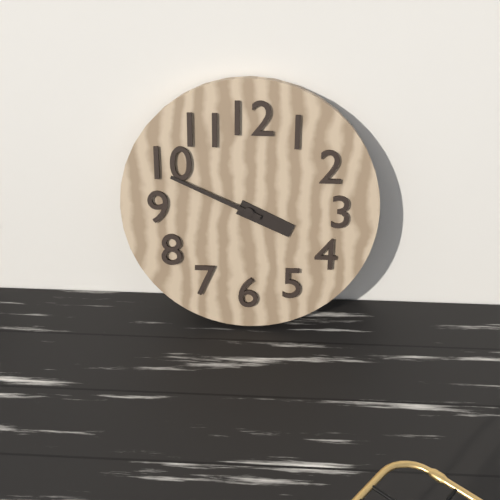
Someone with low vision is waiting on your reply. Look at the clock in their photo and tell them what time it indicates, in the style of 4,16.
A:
3,49
